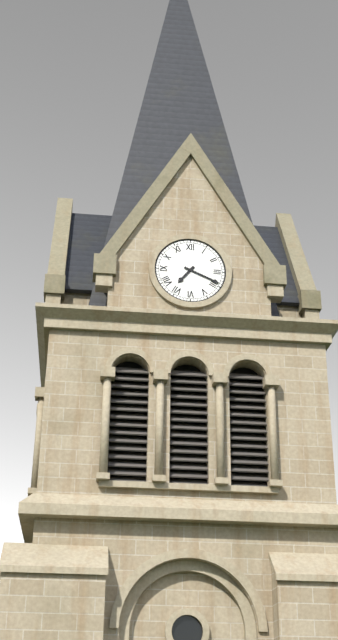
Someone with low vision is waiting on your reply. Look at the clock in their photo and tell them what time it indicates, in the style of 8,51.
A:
7,19
